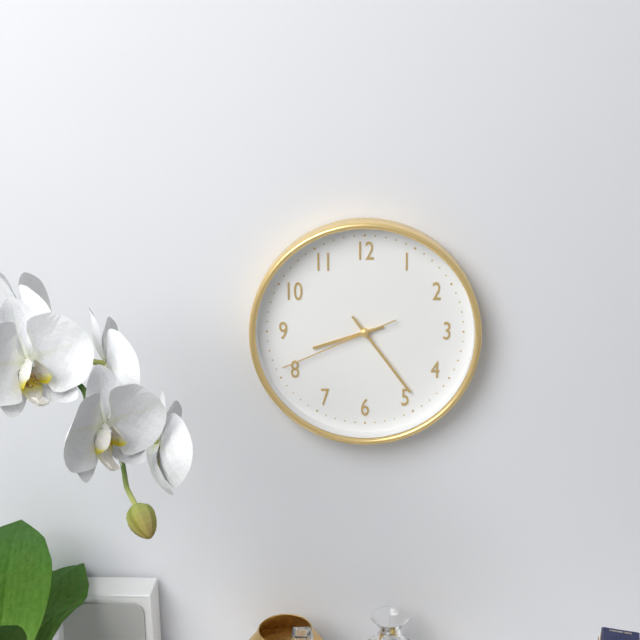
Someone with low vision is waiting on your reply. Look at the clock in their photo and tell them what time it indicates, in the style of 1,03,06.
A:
8,24,41
